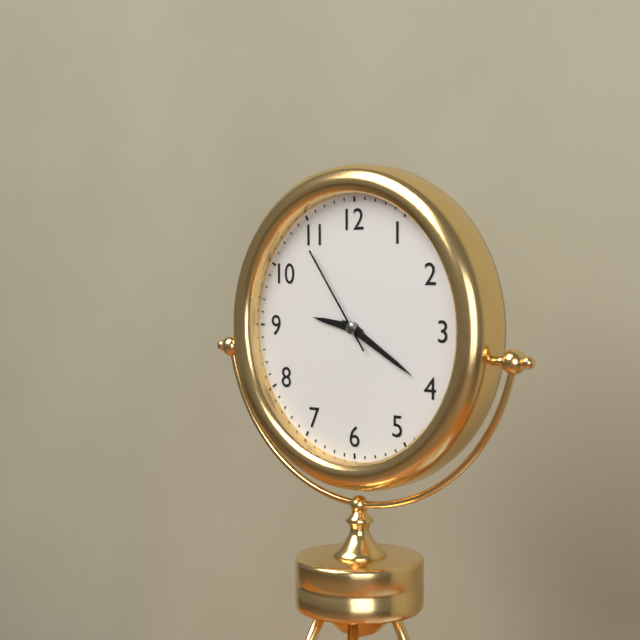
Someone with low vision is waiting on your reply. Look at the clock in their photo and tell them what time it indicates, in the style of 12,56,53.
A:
9,20,54
